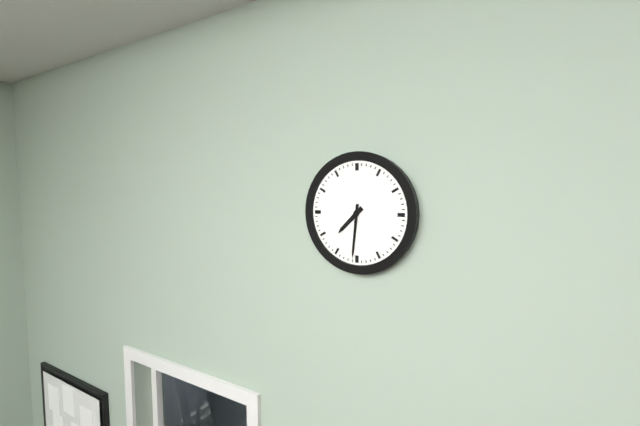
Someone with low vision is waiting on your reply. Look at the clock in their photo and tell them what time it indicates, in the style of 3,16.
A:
7,31
